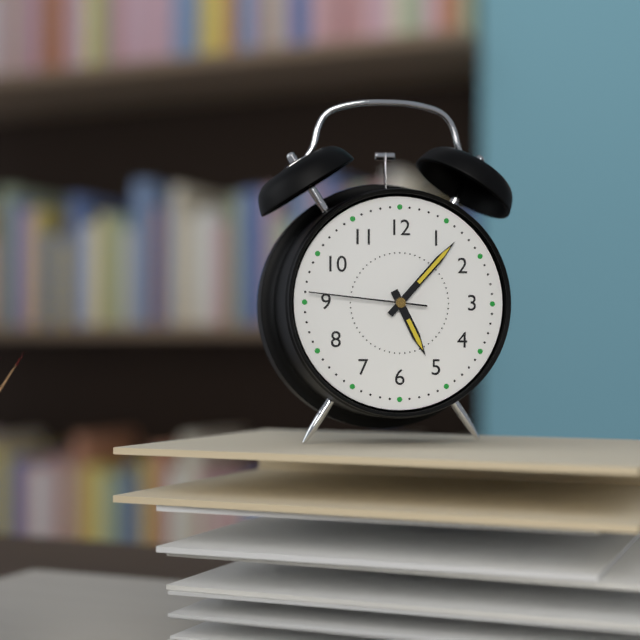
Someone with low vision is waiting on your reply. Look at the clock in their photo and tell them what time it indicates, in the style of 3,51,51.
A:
5,07,46
